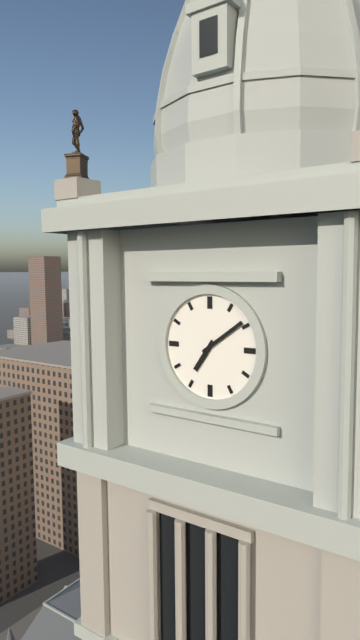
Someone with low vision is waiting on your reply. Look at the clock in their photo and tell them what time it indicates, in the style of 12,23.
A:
7,09
